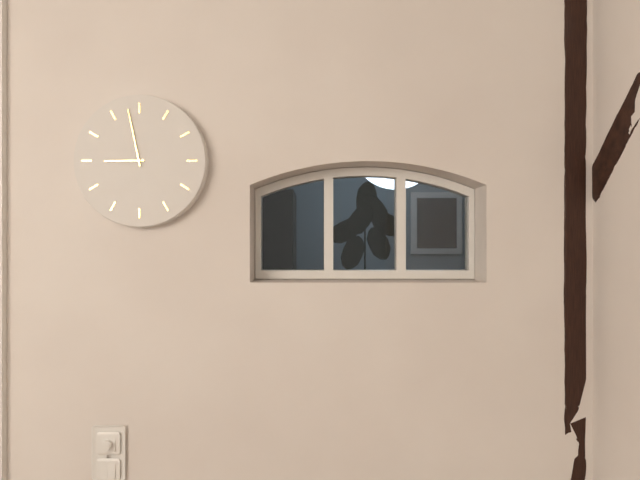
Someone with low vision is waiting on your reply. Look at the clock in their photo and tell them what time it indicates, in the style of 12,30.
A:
8,58
